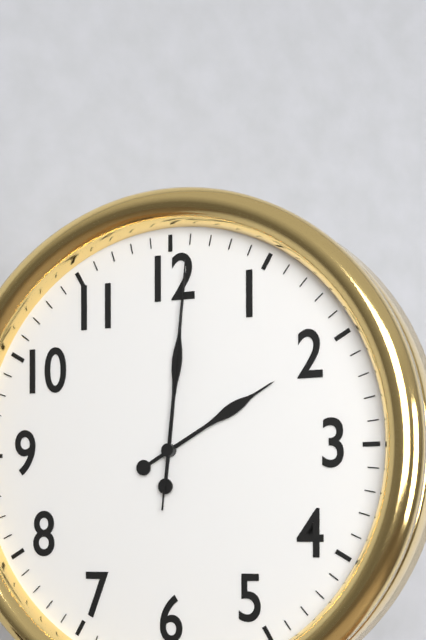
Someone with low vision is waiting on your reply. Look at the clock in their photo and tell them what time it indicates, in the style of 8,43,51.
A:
2,01,01
